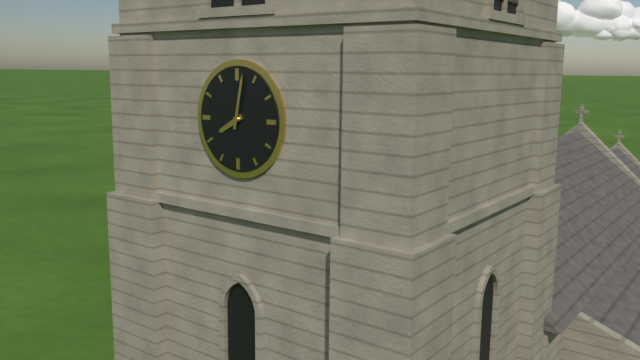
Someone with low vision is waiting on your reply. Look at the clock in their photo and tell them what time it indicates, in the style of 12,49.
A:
8,02
